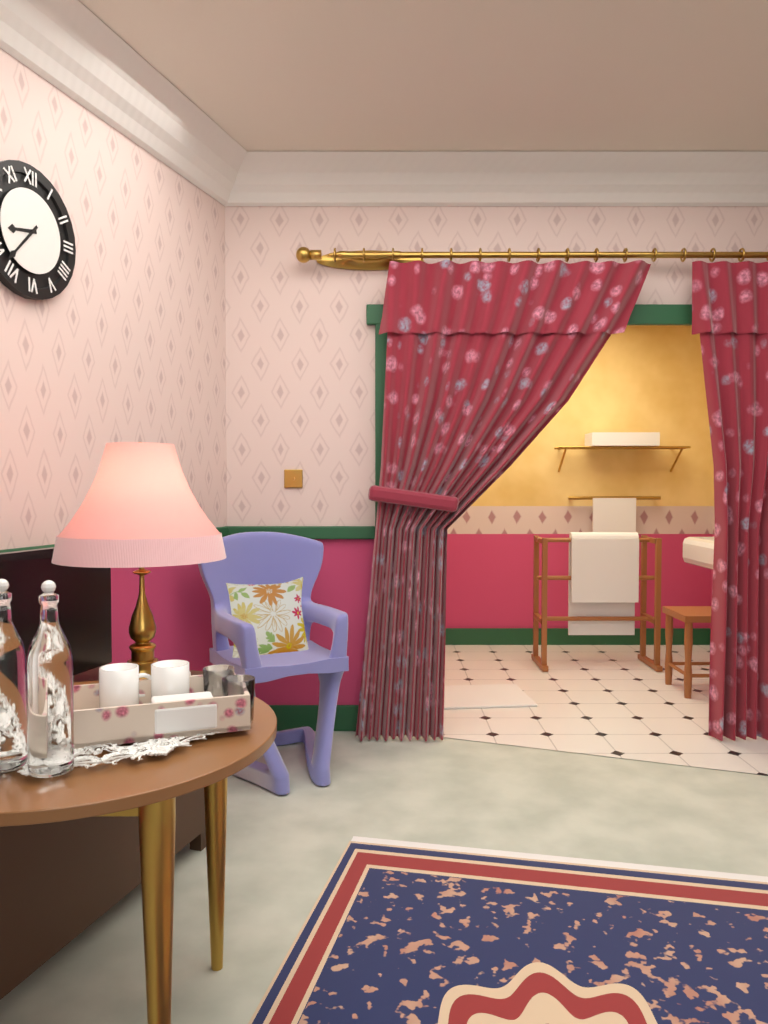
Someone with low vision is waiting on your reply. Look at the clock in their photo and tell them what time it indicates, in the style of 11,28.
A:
8,37
